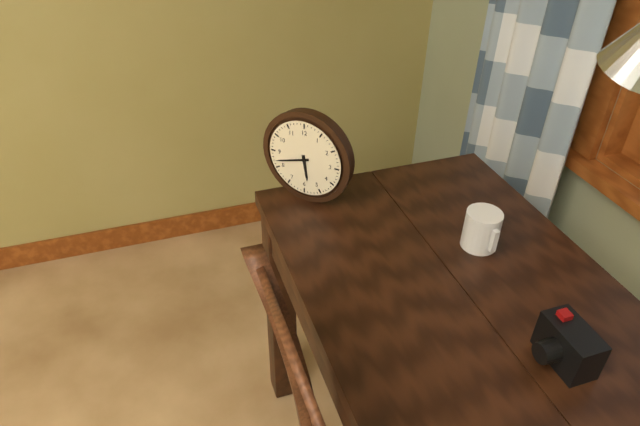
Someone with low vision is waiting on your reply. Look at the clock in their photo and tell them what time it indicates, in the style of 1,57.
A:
5,42
